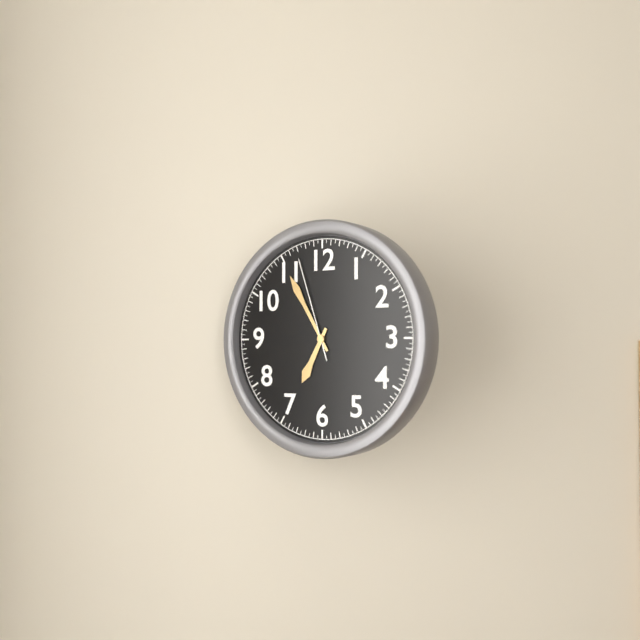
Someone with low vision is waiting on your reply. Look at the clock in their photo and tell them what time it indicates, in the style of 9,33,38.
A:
6,55,57
